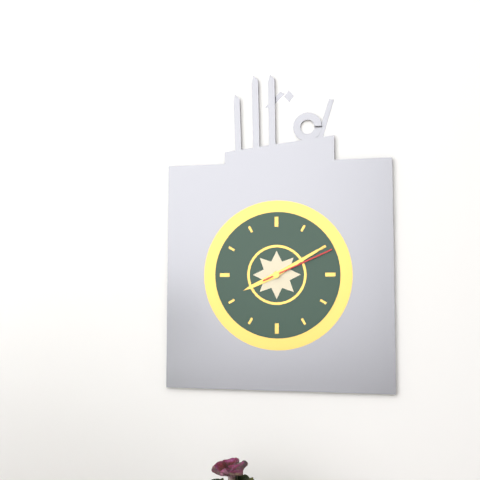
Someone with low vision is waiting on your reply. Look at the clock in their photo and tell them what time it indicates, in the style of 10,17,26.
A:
8,10,11
